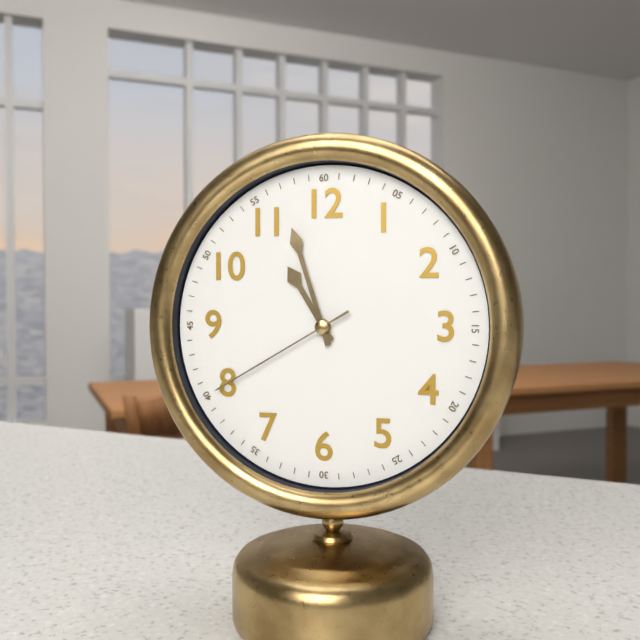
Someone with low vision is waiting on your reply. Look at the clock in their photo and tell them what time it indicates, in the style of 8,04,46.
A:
10,57,40
